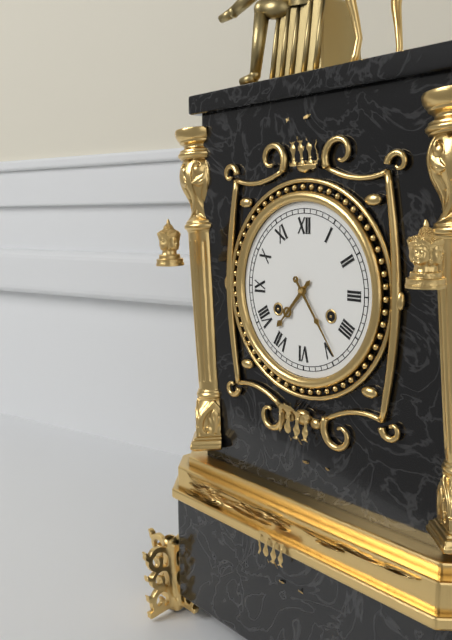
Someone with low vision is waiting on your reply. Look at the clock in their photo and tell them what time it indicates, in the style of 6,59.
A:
7,24
